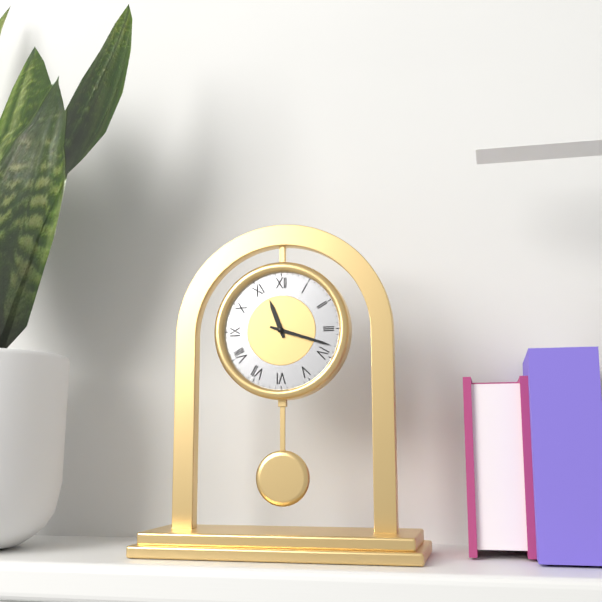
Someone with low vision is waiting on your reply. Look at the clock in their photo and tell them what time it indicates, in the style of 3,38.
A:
11,18
